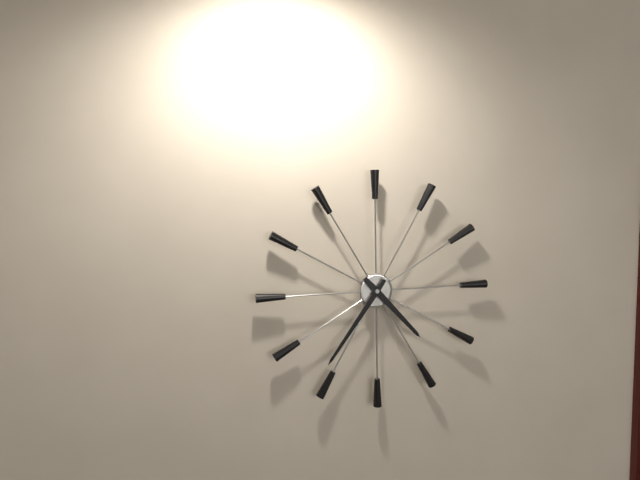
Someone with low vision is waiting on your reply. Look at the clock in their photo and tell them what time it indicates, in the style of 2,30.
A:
4,36
